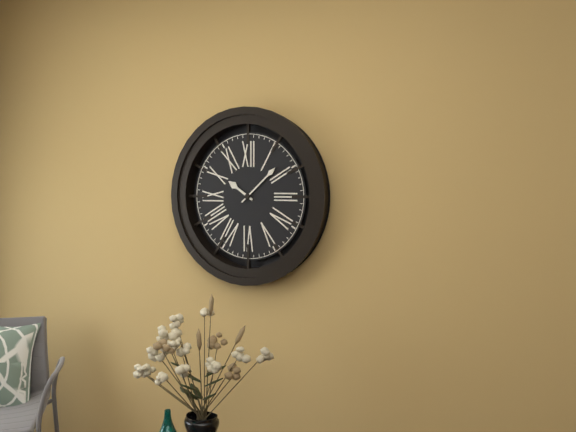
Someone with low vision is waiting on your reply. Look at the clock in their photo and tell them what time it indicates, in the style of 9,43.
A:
10,08
